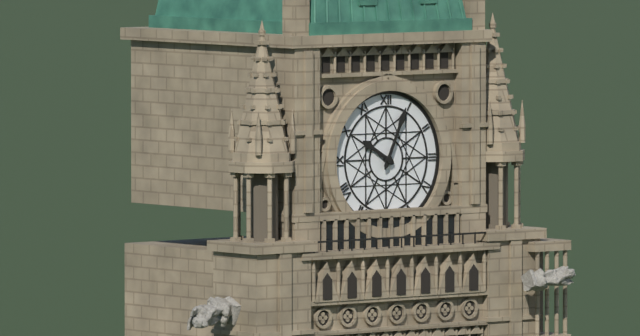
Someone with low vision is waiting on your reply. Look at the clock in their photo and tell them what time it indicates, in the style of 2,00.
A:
10,04
